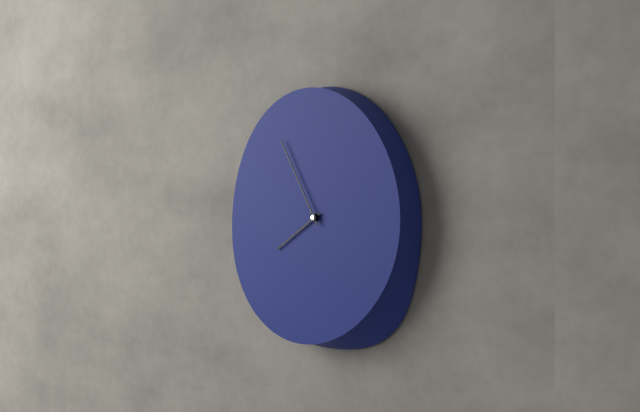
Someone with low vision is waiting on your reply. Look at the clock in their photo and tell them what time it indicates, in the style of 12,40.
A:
7,55
